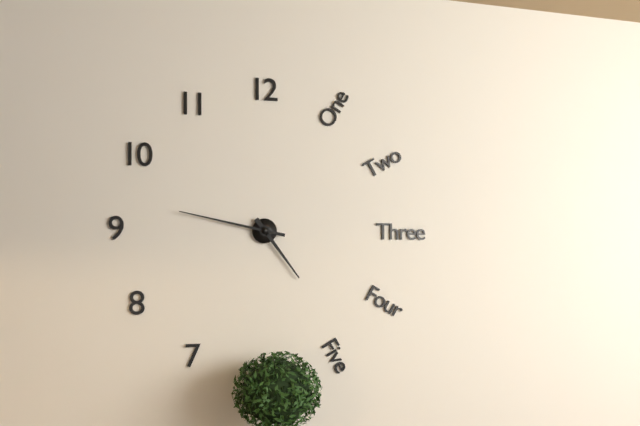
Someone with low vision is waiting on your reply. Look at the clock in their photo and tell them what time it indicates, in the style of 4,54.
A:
4,47
